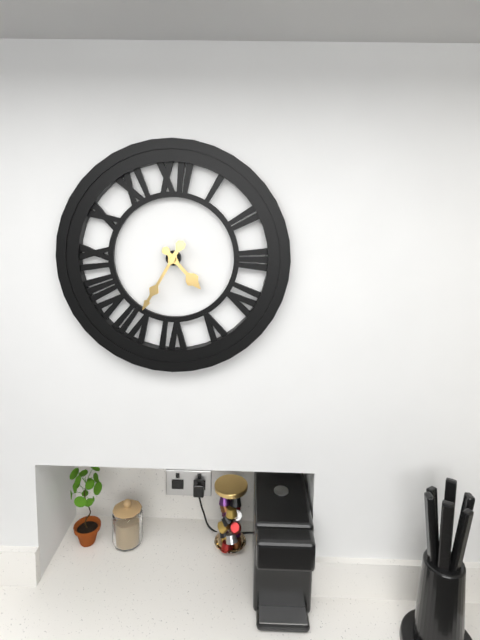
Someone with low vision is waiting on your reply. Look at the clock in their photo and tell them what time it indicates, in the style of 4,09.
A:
4,35
